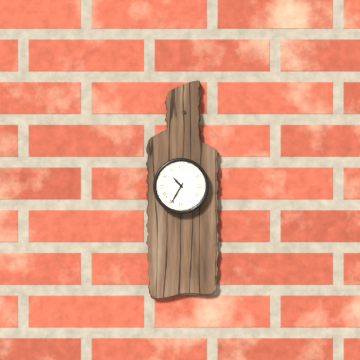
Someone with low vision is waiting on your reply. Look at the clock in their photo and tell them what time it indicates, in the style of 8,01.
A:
10,35
